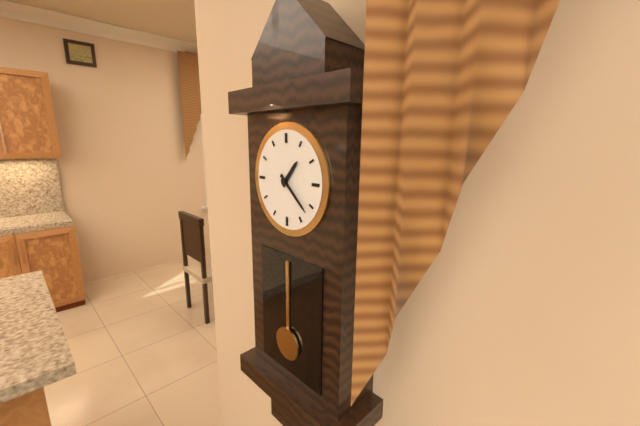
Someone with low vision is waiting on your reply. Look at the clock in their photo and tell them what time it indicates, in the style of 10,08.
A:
1,22
